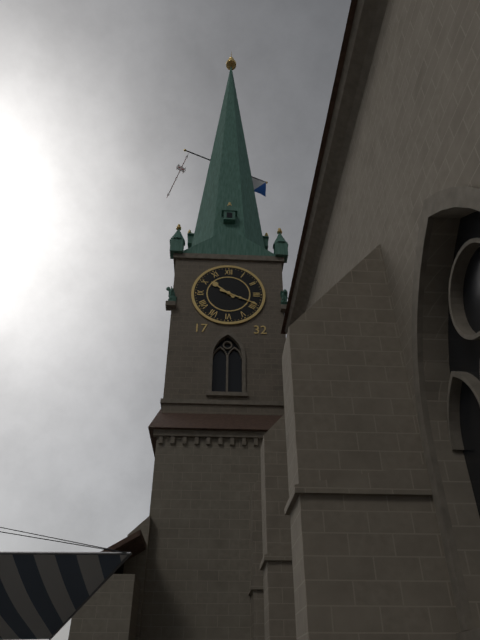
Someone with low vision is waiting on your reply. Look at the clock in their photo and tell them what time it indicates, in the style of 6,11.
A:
10,19
